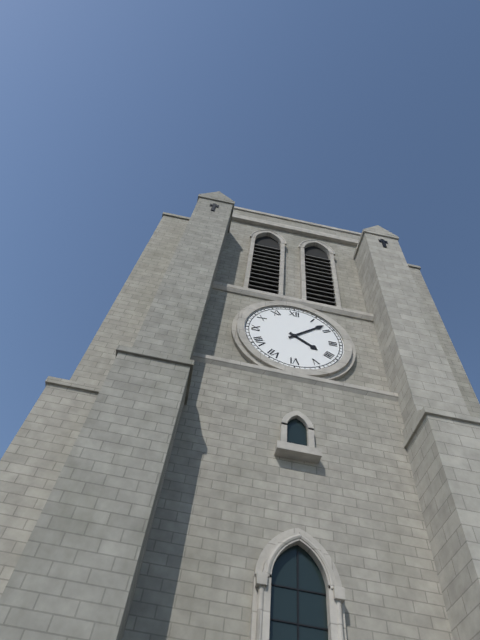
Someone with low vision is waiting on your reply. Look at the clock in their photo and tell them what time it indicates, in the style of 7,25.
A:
4,08
